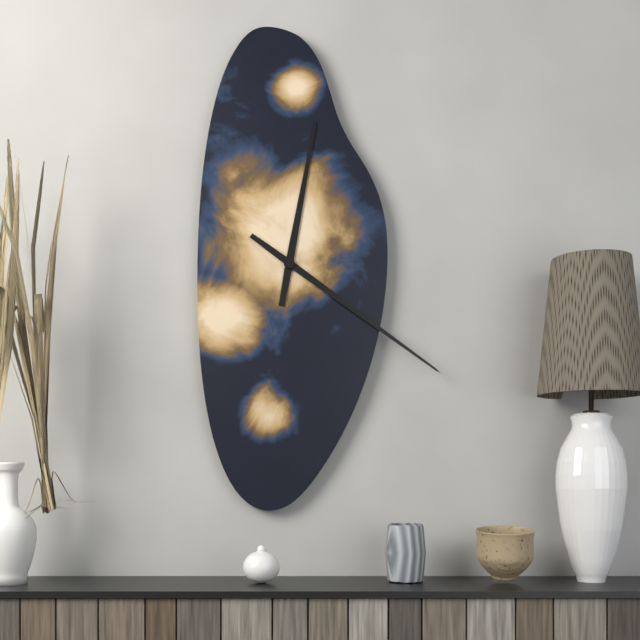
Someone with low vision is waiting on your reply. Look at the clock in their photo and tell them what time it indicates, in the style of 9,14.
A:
12,21
